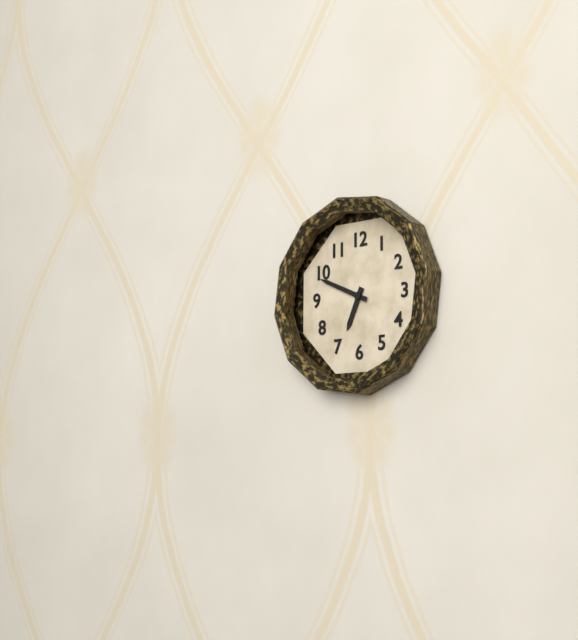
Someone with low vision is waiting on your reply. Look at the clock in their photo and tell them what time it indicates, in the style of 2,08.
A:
6,49
